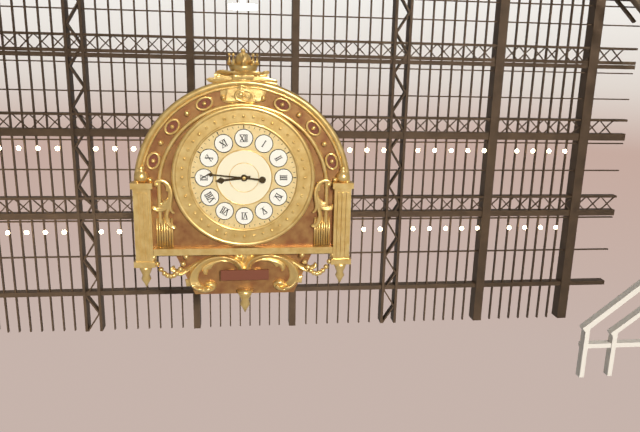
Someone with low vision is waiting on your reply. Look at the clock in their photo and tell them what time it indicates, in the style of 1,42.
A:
8,46
